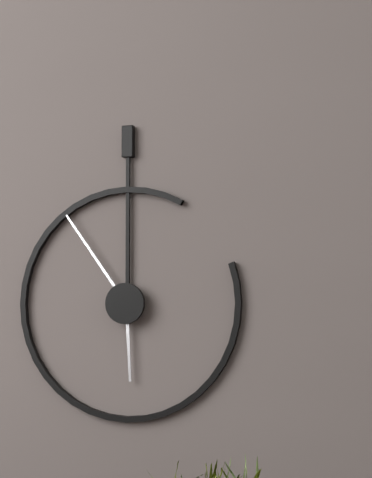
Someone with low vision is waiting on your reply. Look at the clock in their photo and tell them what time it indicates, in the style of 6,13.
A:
5,54
